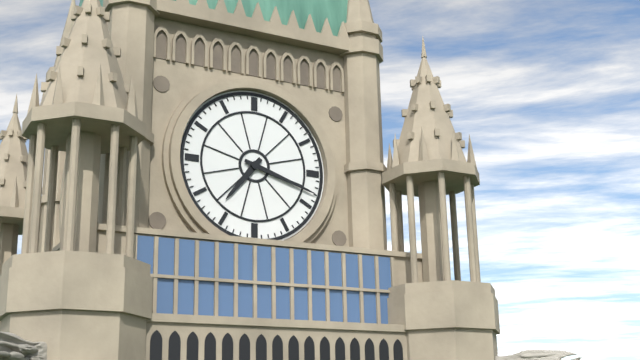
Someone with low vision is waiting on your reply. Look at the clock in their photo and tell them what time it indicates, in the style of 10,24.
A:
7,18
